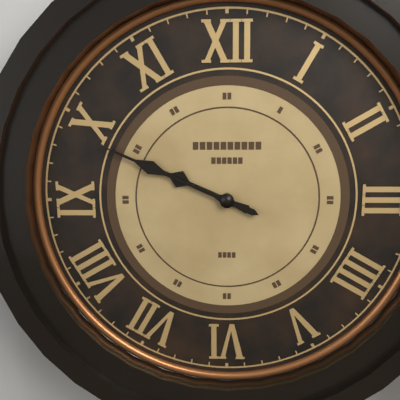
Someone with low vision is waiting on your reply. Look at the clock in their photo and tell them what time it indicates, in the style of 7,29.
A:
9,49
